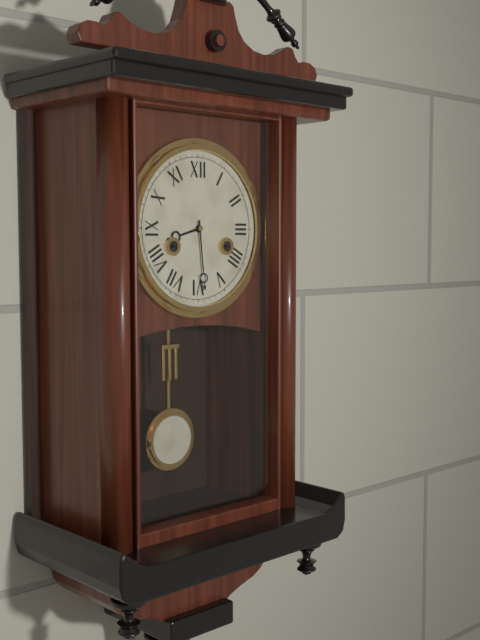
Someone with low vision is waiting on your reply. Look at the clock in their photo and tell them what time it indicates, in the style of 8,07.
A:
8,29
